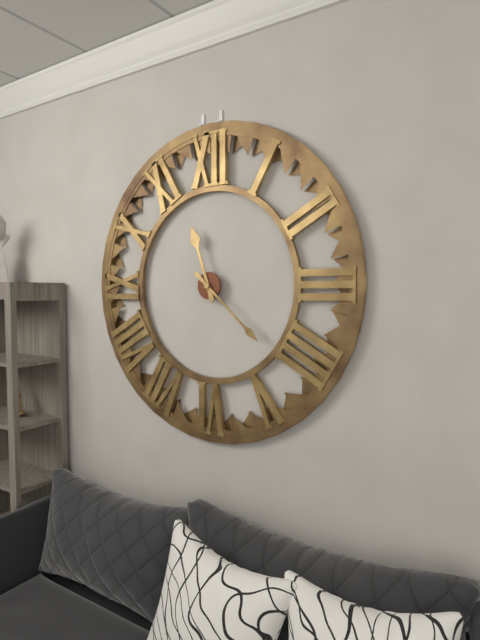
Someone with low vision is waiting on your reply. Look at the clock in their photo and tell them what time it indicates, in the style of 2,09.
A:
11,22
